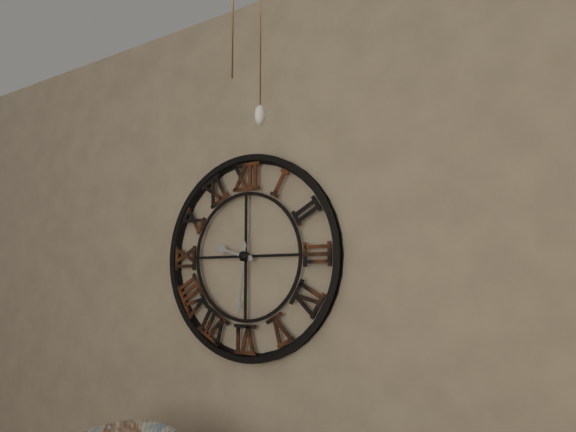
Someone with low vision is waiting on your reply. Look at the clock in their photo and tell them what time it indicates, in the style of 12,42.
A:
9,31
